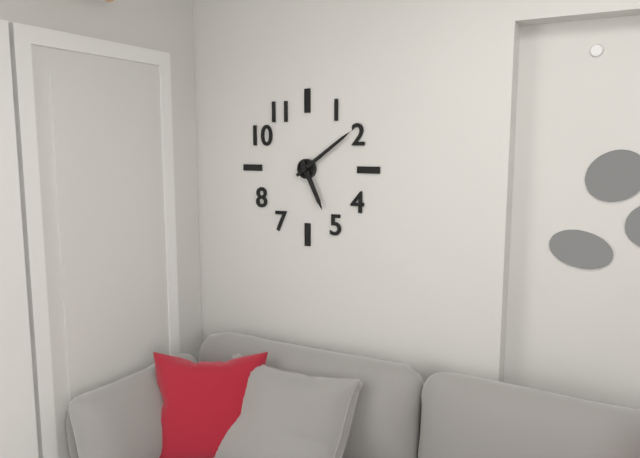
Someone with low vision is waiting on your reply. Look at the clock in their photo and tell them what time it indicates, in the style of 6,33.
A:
5,09
